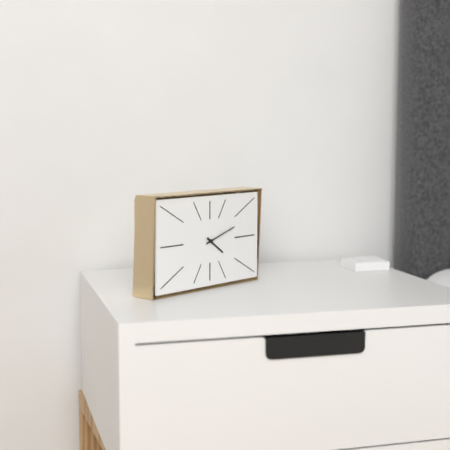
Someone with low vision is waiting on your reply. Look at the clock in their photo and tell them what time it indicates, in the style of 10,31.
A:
4,12
